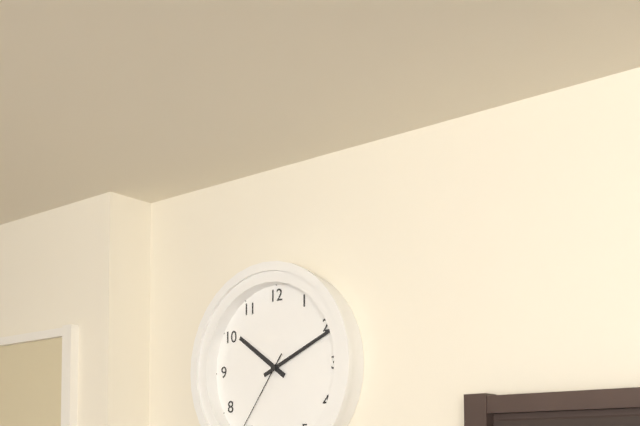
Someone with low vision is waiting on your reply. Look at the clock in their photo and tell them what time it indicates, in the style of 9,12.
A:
10,11
